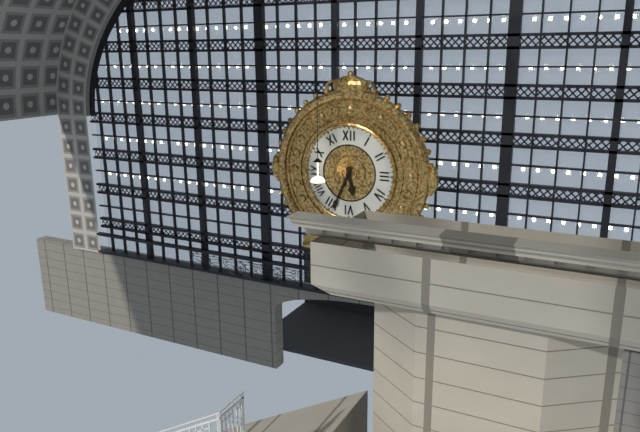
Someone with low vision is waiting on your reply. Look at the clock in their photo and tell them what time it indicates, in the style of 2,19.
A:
5,34
